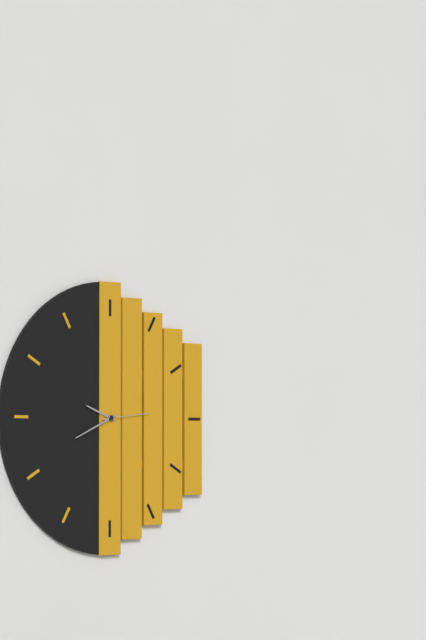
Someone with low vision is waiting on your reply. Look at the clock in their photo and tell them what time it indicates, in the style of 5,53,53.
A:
9,41,14
